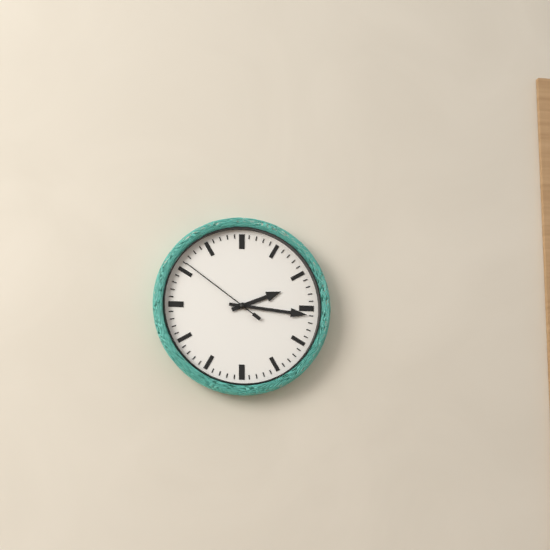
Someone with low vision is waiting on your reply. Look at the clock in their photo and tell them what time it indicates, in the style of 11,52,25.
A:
2,16,51
